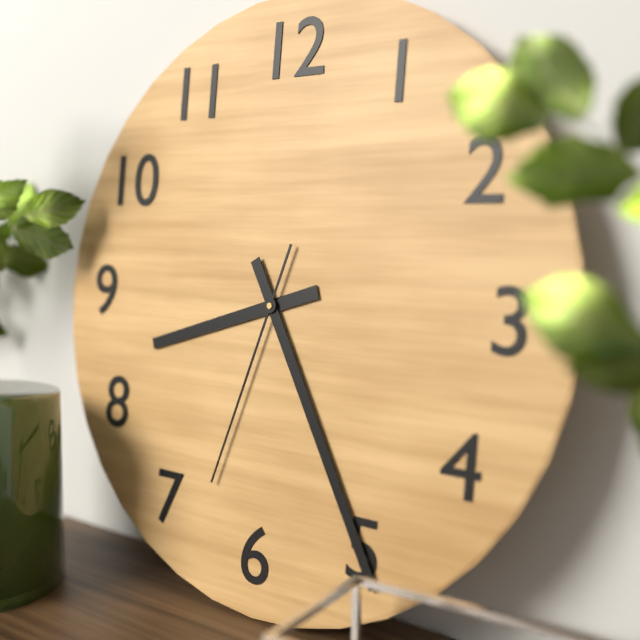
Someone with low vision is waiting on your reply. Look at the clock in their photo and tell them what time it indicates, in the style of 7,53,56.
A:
8,25,33
